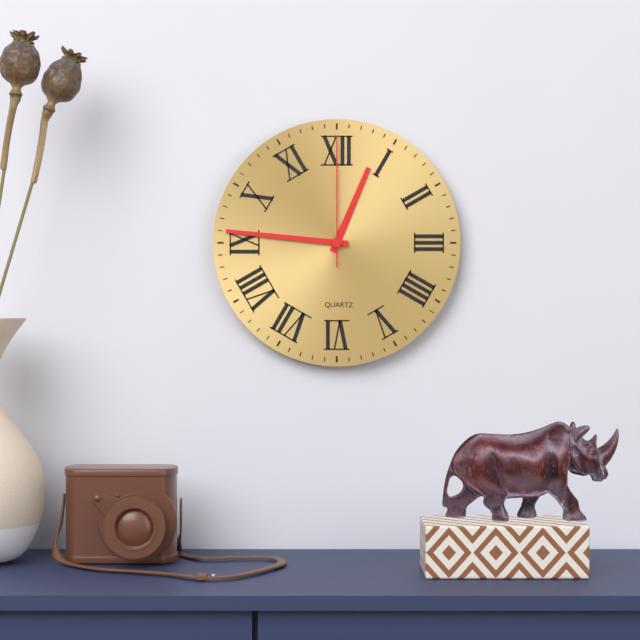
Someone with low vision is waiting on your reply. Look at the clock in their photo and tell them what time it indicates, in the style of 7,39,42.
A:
12,46,00
